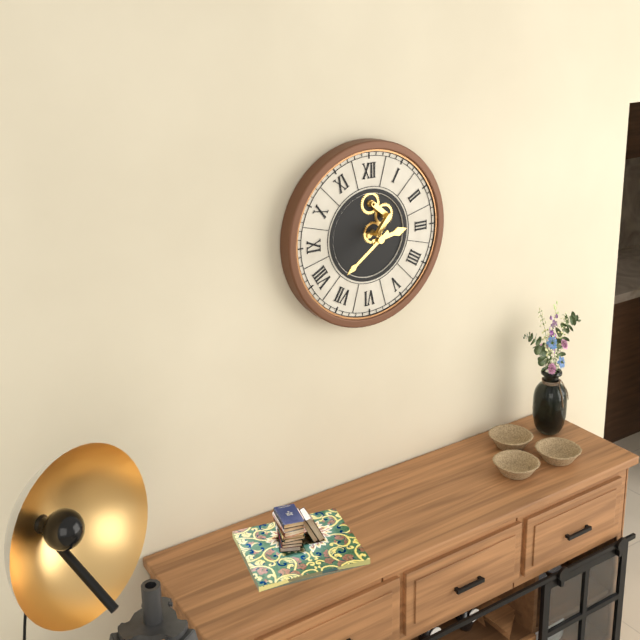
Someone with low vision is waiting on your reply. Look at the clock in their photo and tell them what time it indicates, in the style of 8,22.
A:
2,39
